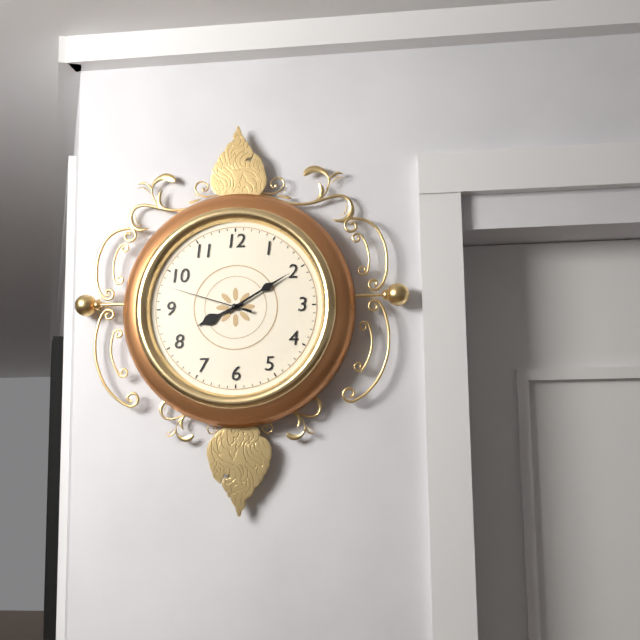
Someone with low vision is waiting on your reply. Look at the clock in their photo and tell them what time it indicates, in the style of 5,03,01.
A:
8,10,48
